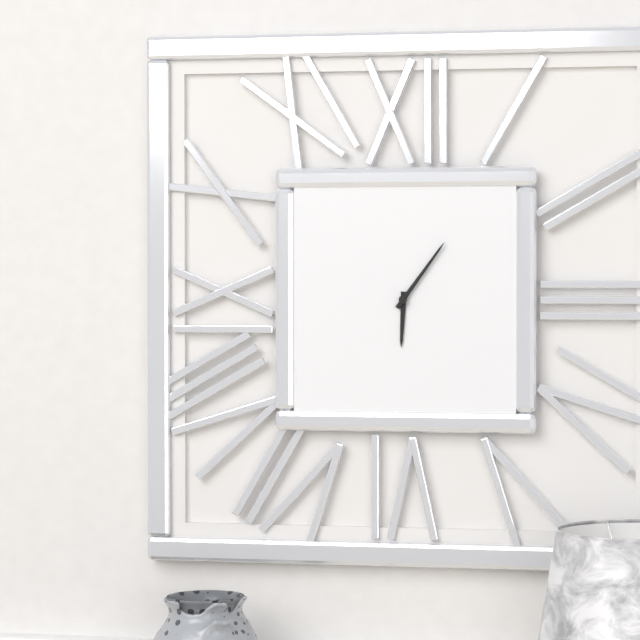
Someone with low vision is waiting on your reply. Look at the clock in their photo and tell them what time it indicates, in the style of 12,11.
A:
6,06
